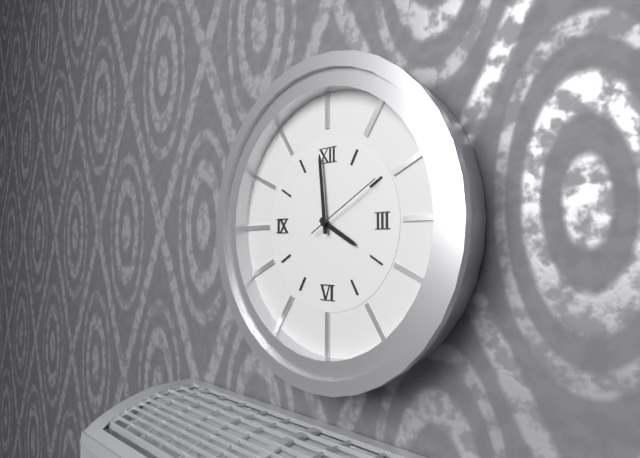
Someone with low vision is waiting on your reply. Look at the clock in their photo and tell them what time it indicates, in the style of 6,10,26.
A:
3,59,10
